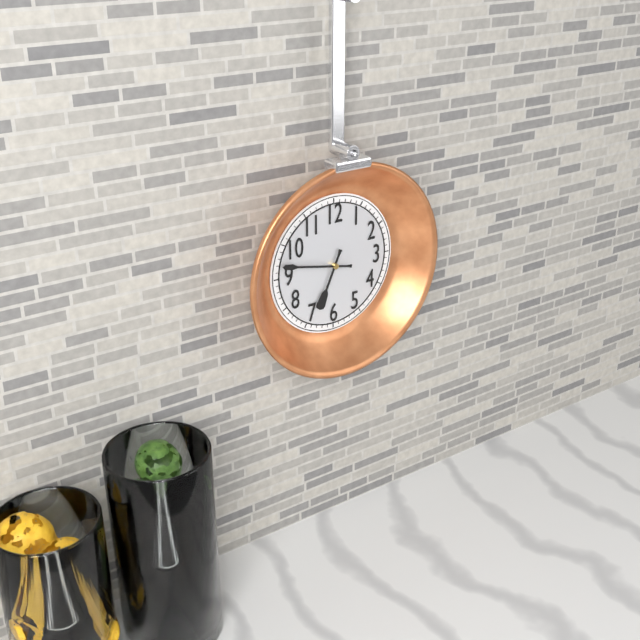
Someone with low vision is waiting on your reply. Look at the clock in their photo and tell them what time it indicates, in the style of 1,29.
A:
6,47
